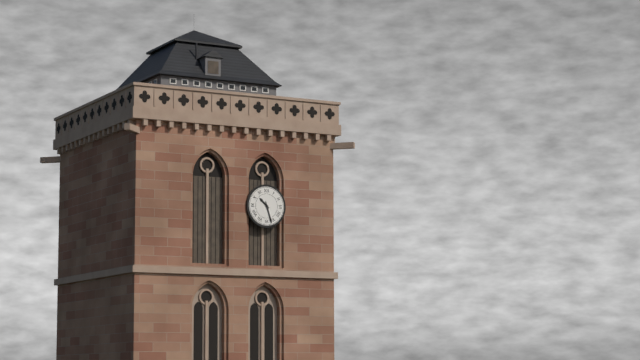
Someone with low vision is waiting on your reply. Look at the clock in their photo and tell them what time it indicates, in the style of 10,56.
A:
10,27
